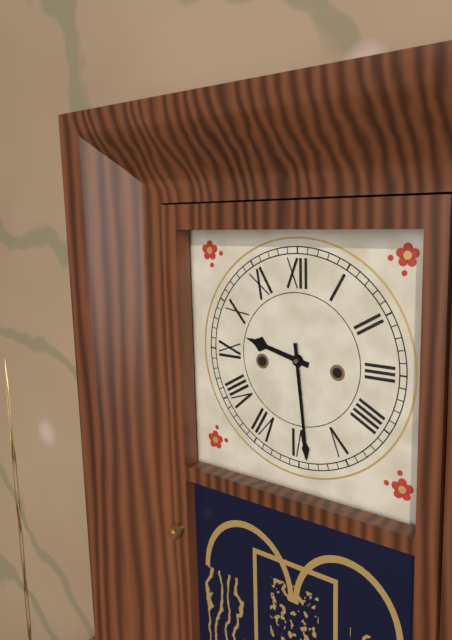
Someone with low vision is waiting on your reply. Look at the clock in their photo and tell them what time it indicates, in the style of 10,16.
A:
9,29
